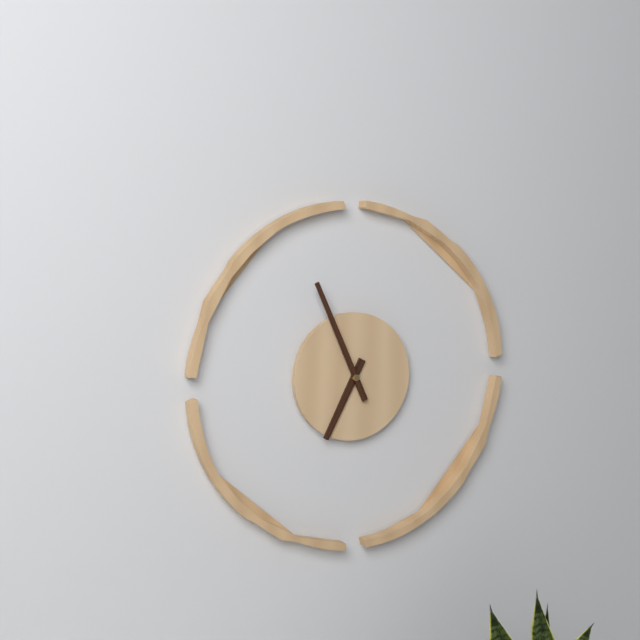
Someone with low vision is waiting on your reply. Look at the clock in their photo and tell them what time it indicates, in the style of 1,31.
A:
6,56
